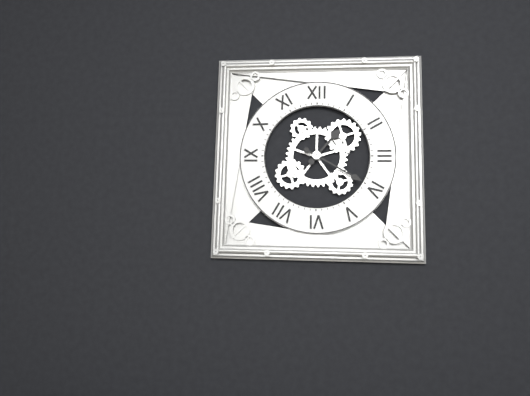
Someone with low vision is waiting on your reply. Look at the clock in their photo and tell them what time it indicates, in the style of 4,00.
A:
1,20
